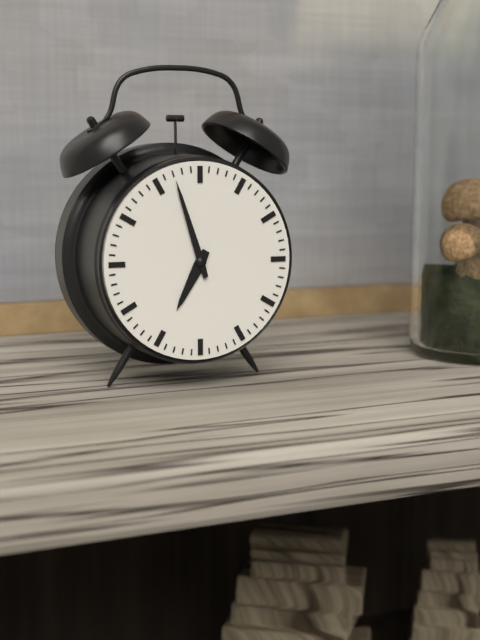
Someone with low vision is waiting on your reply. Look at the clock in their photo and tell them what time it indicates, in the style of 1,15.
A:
6,57
